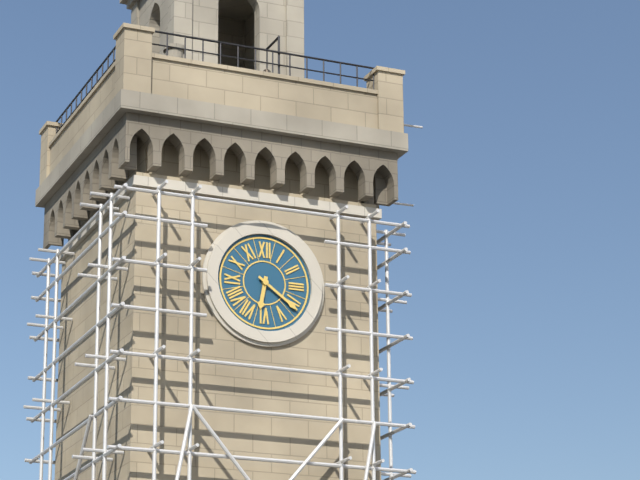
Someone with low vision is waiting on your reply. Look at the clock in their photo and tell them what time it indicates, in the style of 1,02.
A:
6,21
